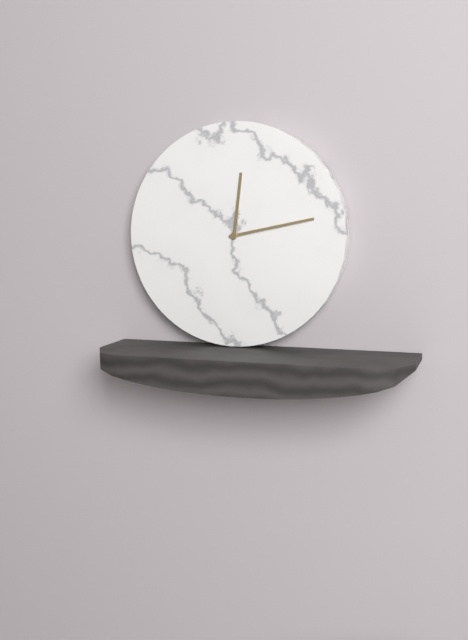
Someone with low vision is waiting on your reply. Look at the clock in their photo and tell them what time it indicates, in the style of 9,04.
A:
12,13
